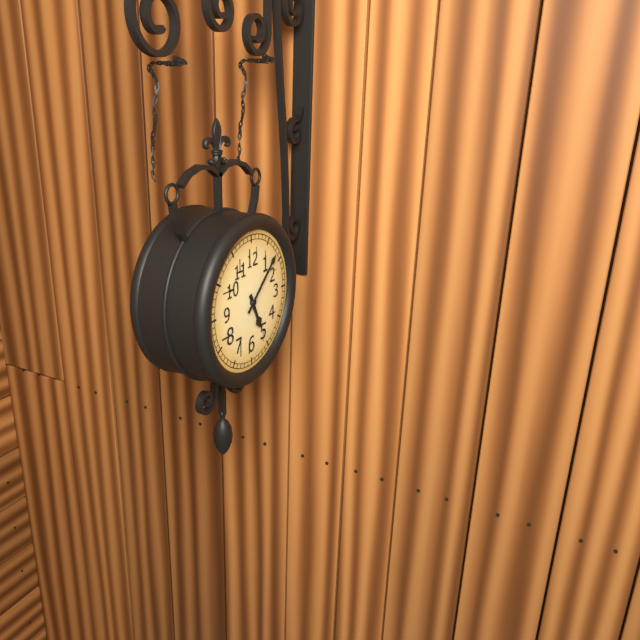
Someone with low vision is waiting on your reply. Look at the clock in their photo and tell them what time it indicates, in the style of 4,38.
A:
5,08
